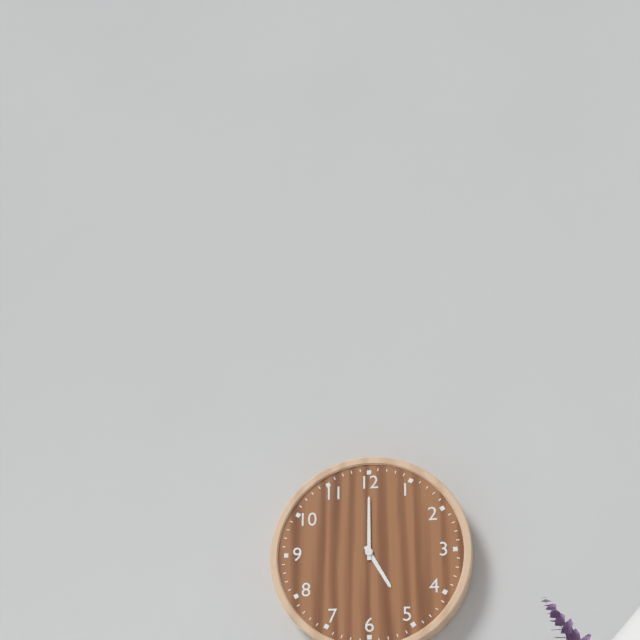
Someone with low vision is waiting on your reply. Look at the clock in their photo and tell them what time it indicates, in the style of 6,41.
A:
5,00
